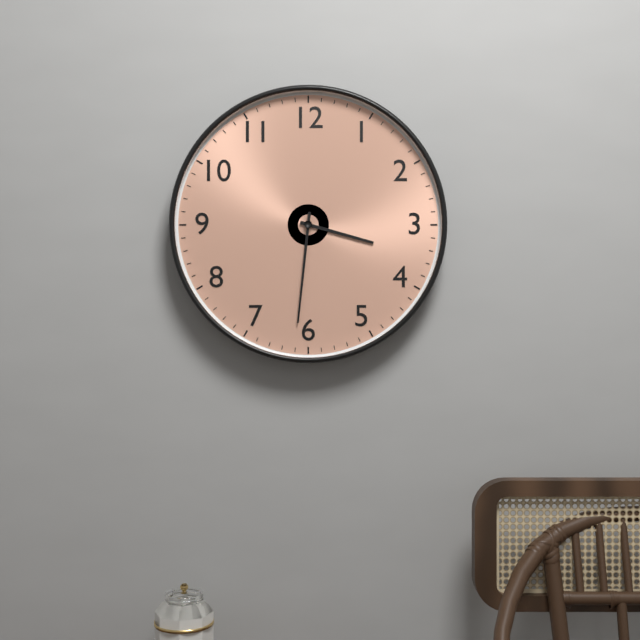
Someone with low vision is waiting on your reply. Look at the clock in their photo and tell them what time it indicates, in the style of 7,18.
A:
3,31
